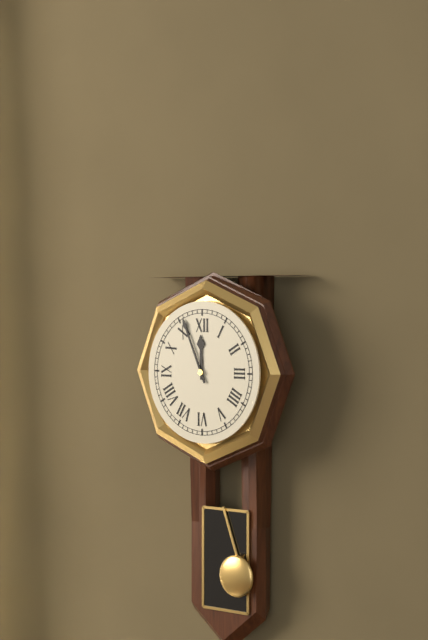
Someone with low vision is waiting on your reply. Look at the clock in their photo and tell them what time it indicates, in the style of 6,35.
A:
11,56
